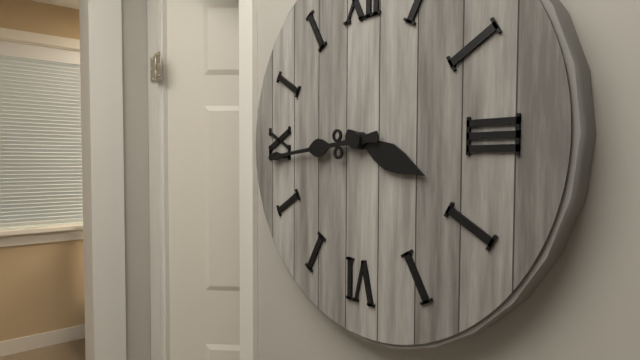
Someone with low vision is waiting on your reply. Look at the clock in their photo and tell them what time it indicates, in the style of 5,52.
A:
3,44
